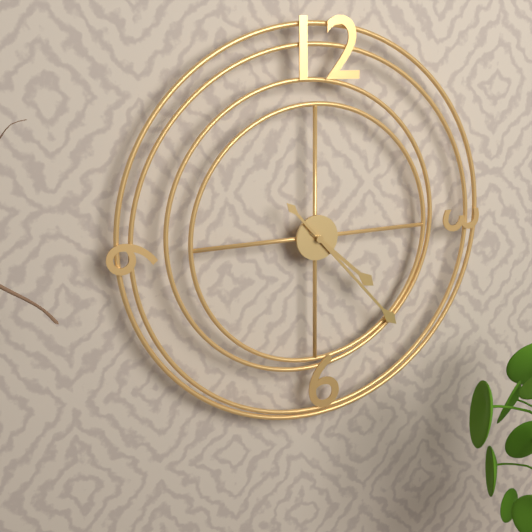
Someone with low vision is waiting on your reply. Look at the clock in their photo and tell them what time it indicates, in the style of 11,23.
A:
4,23
